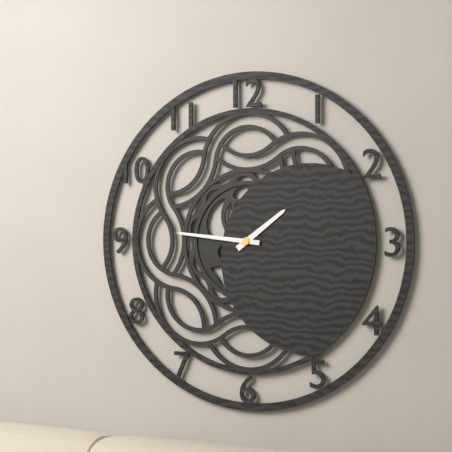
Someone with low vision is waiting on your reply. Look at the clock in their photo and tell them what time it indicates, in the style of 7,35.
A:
1,46
